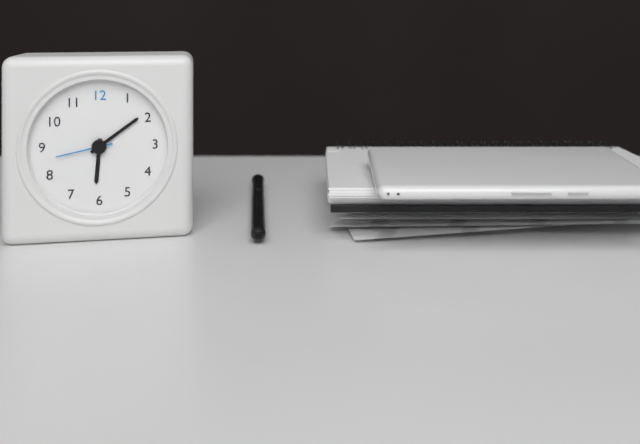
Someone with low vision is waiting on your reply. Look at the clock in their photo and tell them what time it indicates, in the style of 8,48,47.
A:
6,09,43
